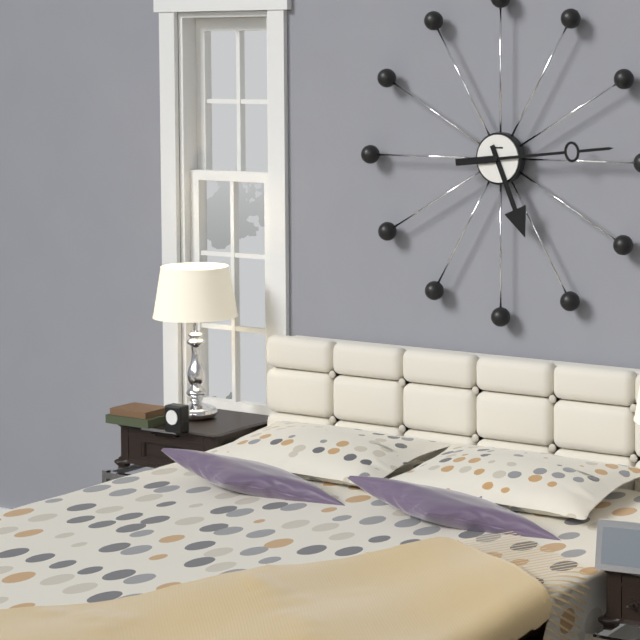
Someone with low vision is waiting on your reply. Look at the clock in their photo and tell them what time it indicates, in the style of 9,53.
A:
5,14
